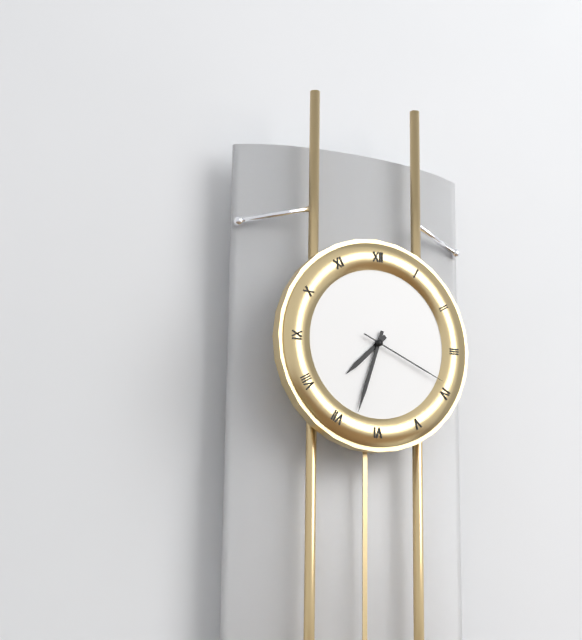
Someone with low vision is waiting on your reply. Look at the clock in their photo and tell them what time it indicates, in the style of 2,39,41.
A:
7,33,19
